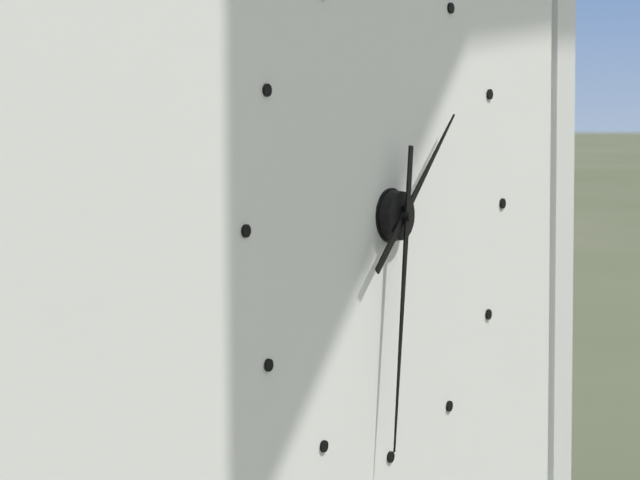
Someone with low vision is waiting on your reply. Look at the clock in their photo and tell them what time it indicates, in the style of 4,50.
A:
1,31
